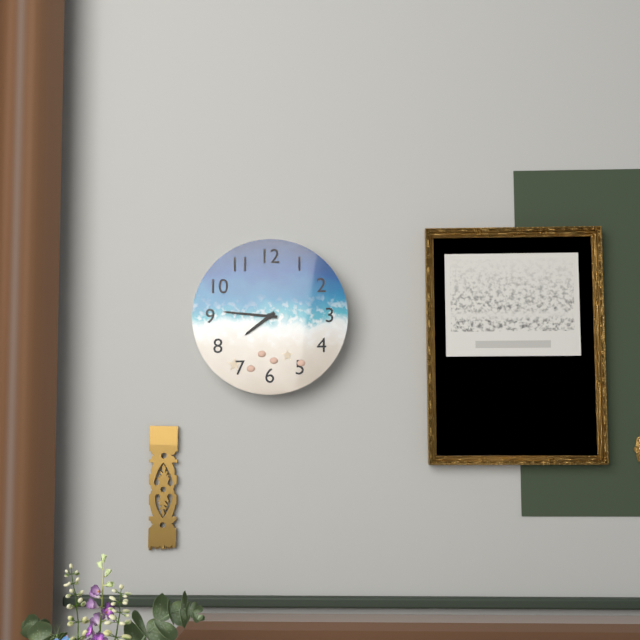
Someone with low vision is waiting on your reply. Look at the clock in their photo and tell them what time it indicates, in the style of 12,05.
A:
7,46
